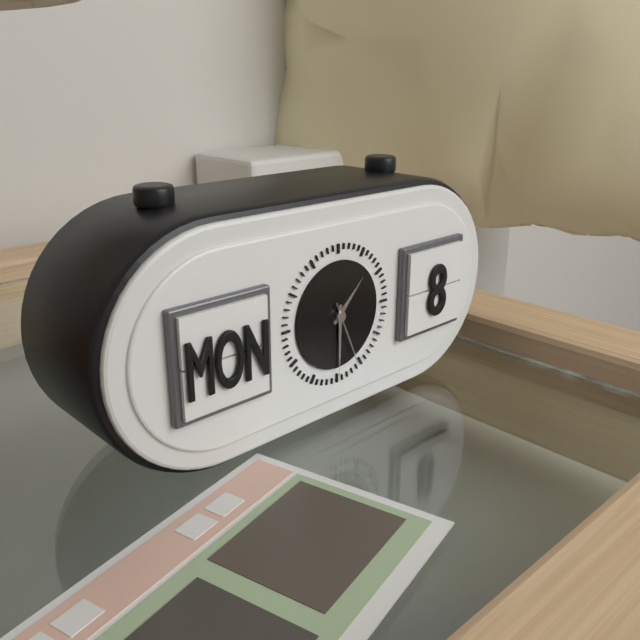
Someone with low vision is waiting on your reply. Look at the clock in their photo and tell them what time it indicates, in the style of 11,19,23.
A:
1,30,26
